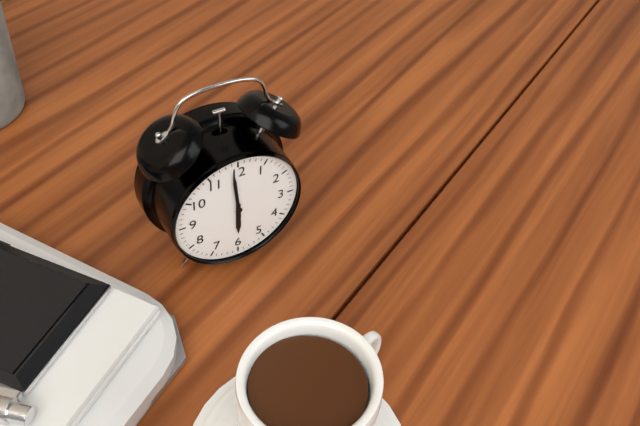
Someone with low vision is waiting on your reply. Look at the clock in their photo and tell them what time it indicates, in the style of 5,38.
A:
5,59
